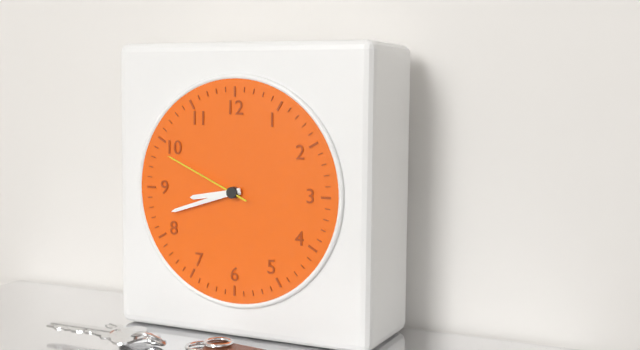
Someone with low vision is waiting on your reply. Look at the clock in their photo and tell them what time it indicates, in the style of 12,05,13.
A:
8,42,49
